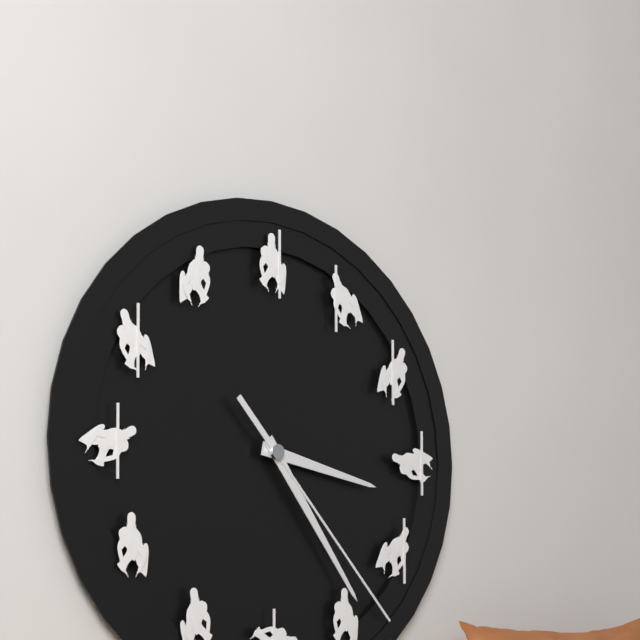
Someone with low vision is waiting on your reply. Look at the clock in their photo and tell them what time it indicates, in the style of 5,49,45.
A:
3,24,23
